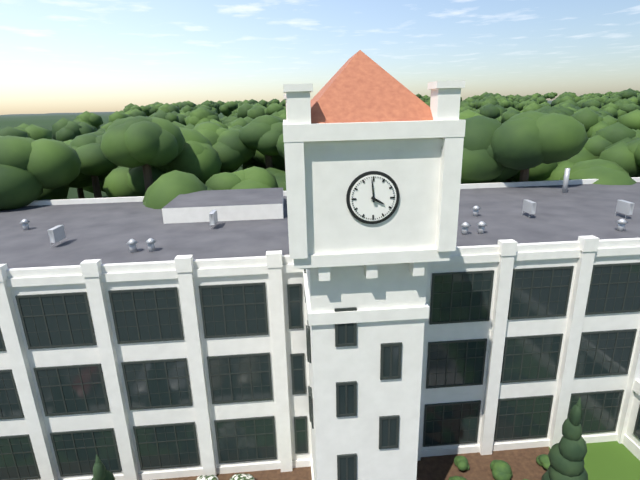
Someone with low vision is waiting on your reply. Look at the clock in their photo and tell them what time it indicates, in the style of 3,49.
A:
3,59
